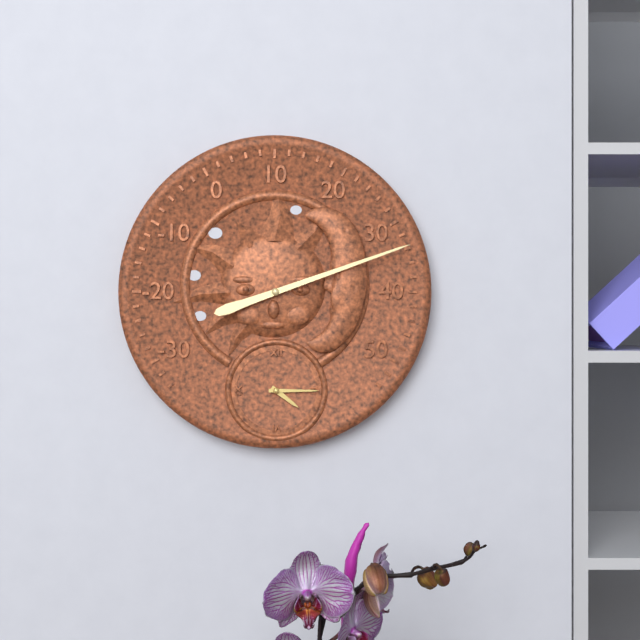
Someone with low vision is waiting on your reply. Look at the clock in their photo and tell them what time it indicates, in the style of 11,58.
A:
4,15
